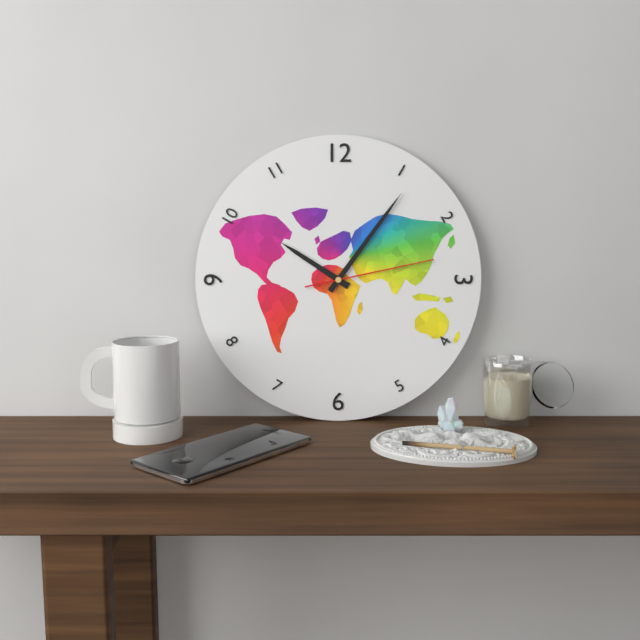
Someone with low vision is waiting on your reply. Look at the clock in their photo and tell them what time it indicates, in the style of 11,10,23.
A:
10,06,13
